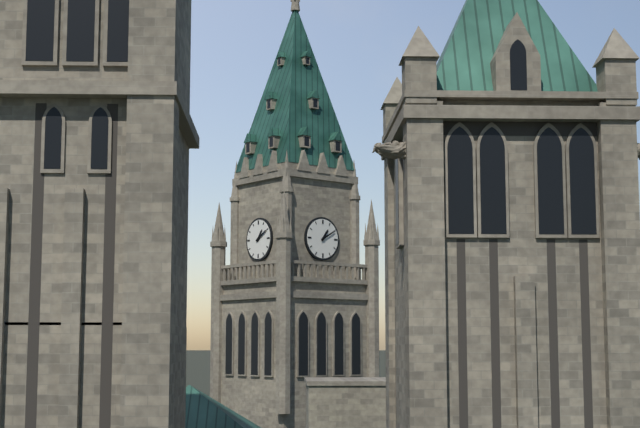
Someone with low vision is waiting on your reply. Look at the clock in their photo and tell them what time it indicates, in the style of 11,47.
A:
1,10
